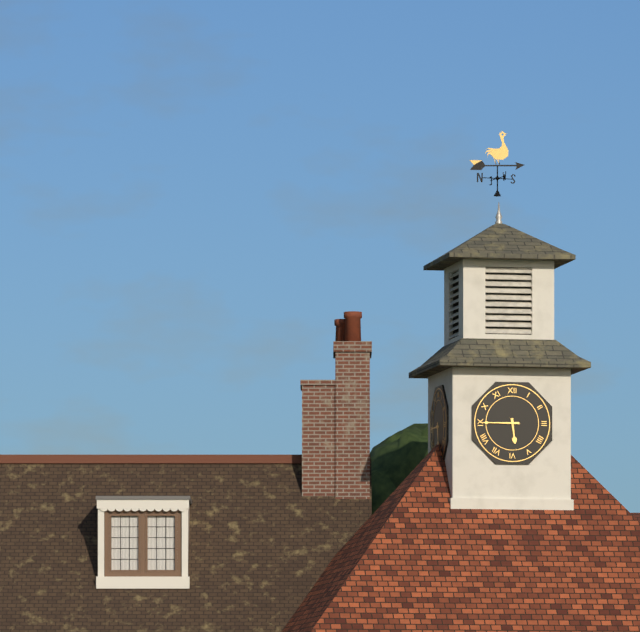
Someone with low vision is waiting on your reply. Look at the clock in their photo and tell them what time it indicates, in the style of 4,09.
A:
5,45
